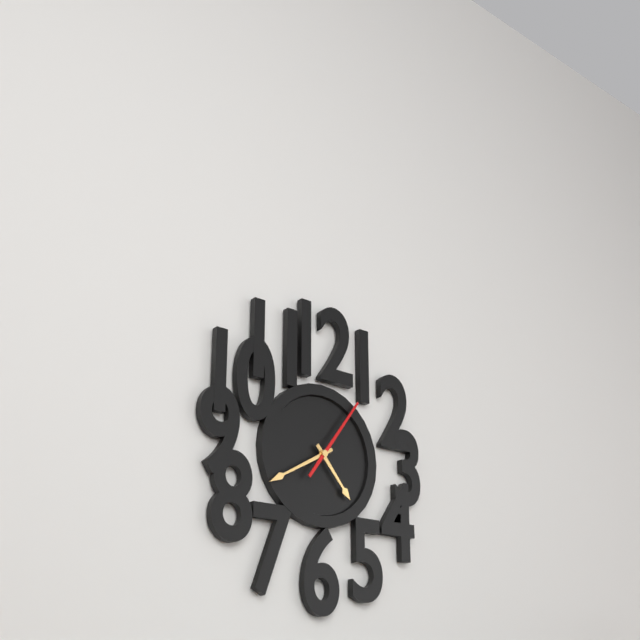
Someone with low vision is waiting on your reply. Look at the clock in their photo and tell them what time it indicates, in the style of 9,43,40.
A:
4,40,06
